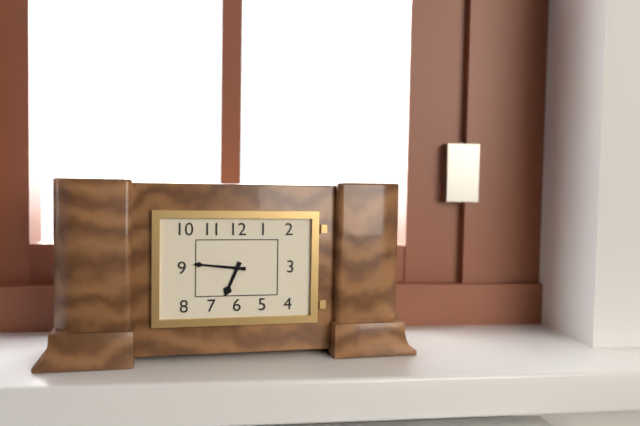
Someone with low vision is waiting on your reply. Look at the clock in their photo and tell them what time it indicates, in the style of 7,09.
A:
6,46
